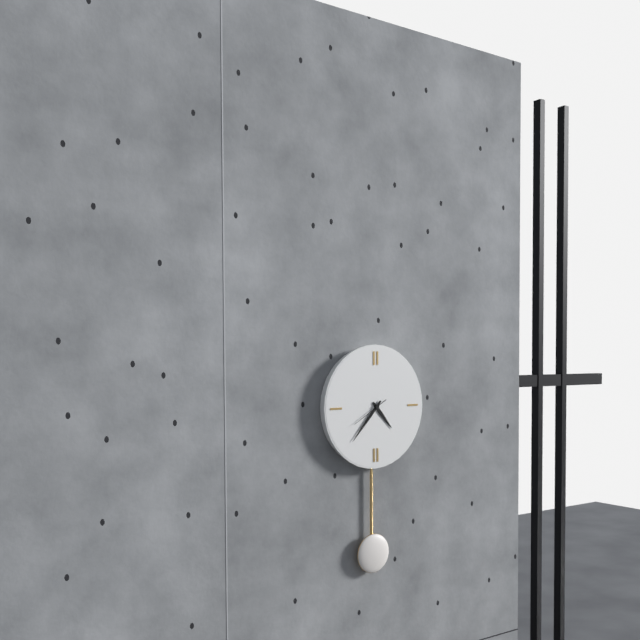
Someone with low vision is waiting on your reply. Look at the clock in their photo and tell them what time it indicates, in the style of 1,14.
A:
4,37
